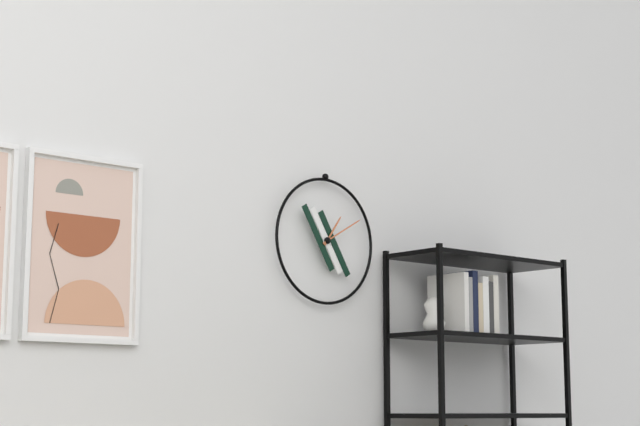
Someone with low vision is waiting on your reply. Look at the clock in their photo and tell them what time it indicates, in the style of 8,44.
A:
1,10
